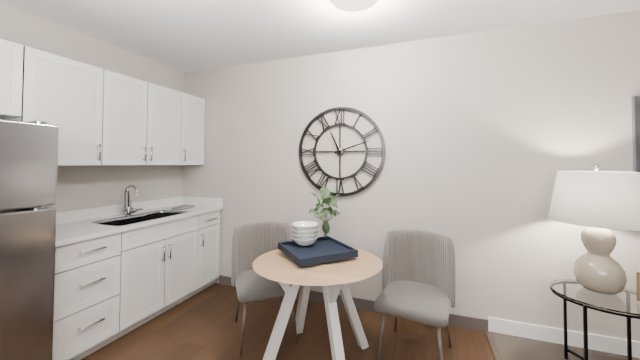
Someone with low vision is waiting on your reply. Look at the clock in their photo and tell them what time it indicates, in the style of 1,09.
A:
11,12
